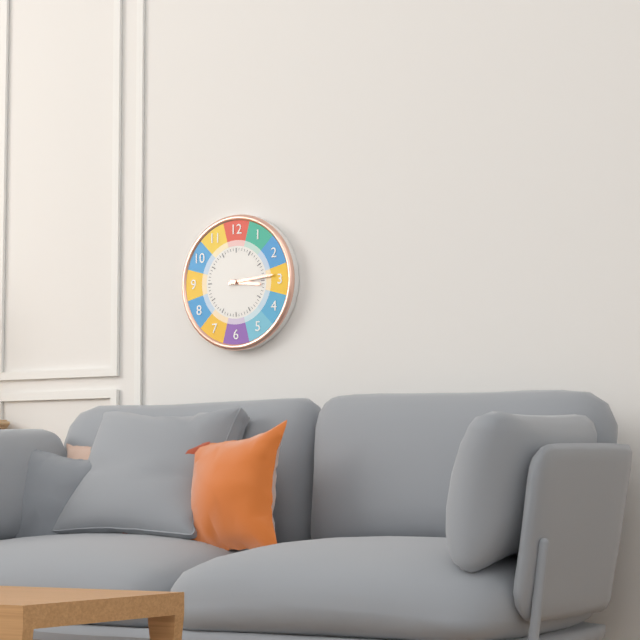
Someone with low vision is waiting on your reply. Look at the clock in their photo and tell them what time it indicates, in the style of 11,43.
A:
3,14
